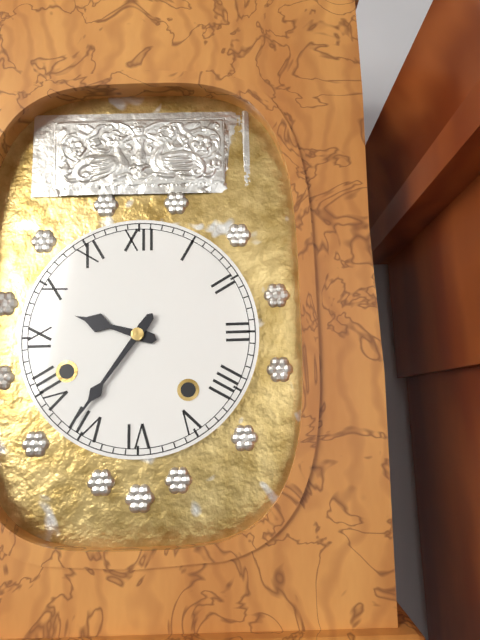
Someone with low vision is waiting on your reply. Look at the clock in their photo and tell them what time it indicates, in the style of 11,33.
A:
9,36
